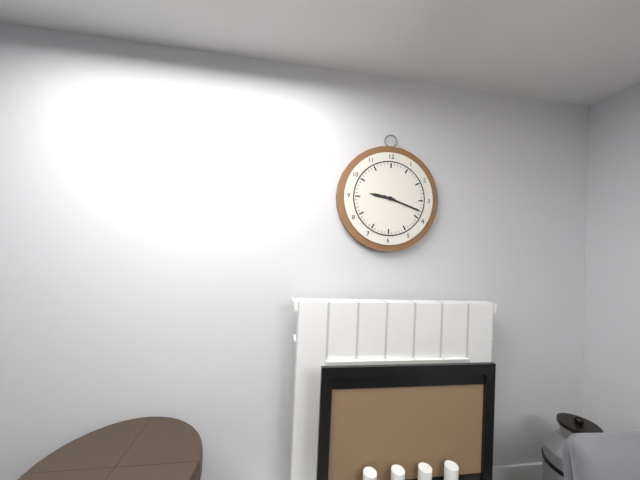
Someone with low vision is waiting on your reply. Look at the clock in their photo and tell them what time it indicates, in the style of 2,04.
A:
9,18
